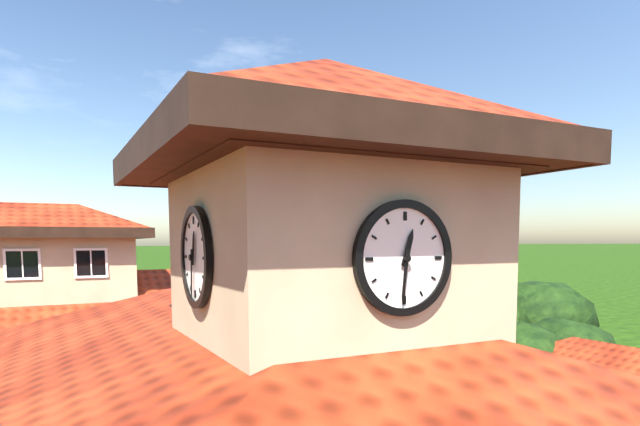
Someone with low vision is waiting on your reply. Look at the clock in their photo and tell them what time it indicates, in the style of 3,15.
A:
12,31
